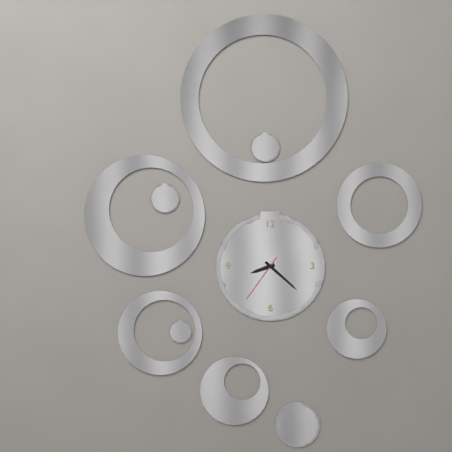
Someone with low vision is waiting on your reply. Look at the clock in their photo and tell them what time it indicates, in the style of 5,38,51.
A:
8,22,36
